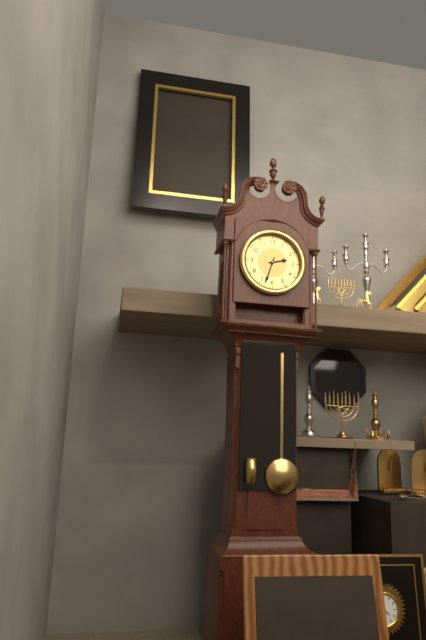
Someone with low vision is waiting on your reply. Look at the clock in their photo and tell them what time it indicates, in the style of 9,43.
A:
2,33
